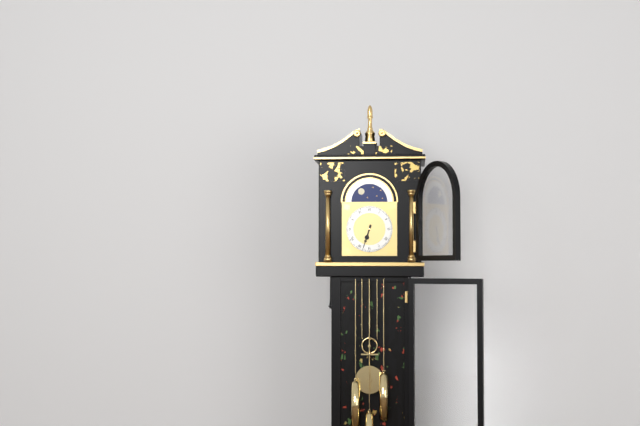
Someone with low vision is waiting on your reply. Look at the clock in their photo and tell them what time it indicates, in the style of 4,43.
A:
6,33
